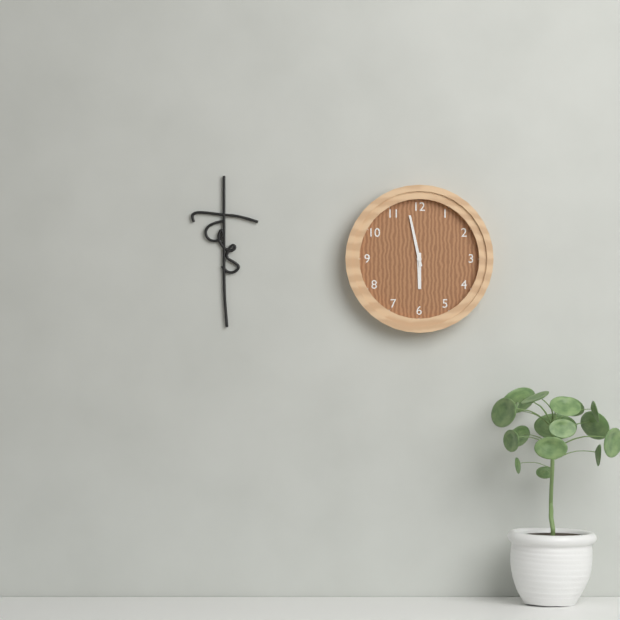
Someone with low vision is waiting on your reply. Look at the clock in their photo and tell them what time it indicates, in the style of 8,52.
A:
5,58
